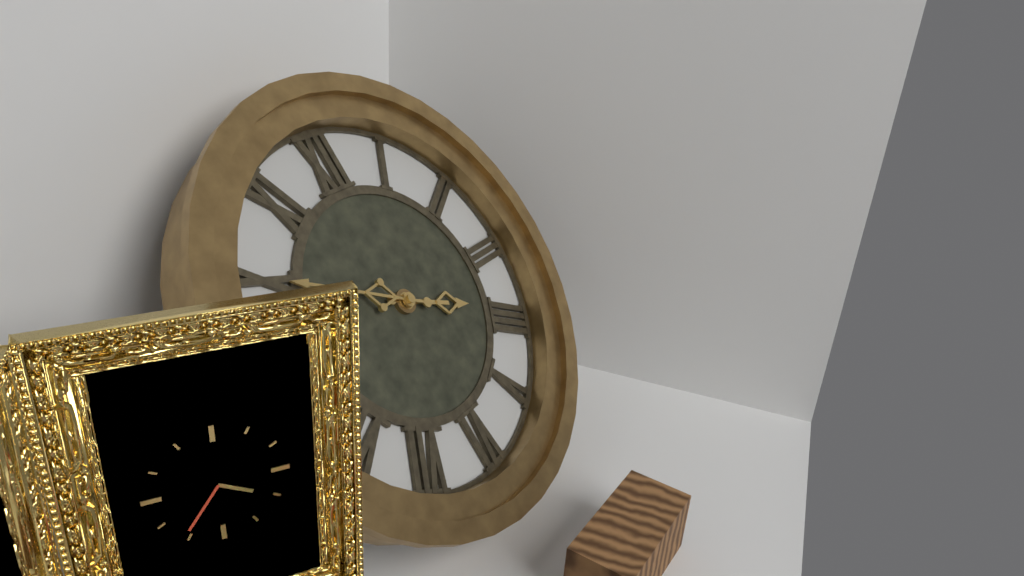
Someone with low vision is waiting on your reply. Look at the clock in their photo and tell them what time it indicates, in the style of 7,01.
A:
3,50
